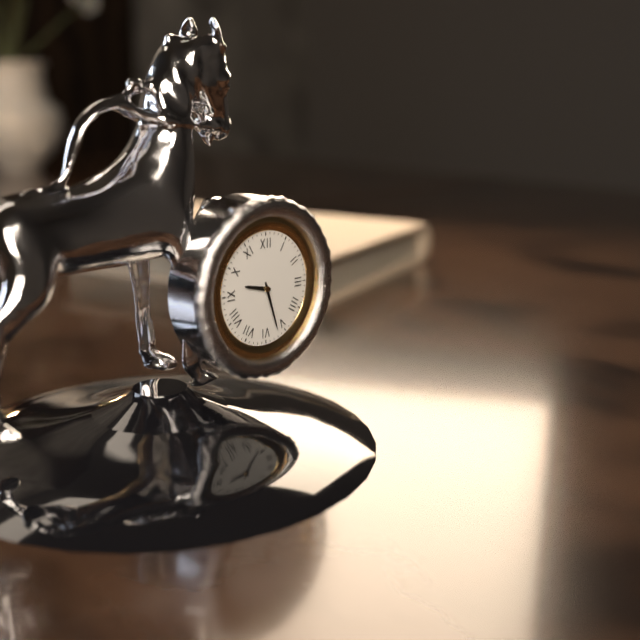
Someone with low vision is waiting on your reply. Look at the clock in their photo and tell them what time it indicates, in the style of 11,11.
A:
9,27
